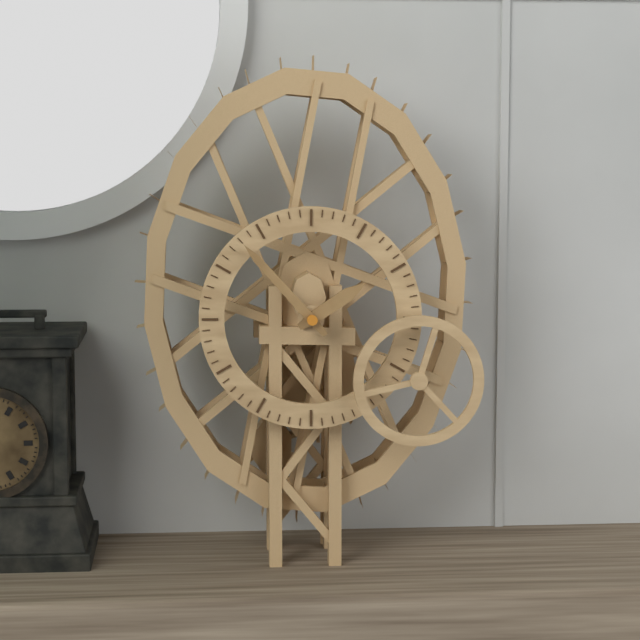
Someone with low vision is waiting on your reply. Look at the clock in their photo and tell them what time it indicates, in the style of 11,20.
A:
1,53
